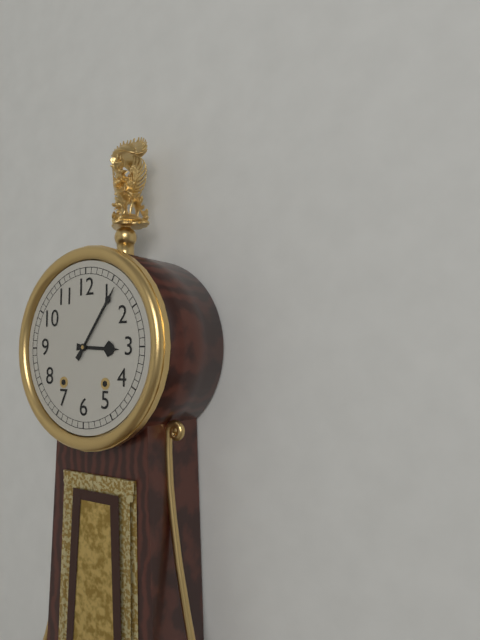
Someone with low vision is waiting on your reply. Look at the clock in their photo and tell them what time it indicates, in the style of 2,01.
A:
3,06
